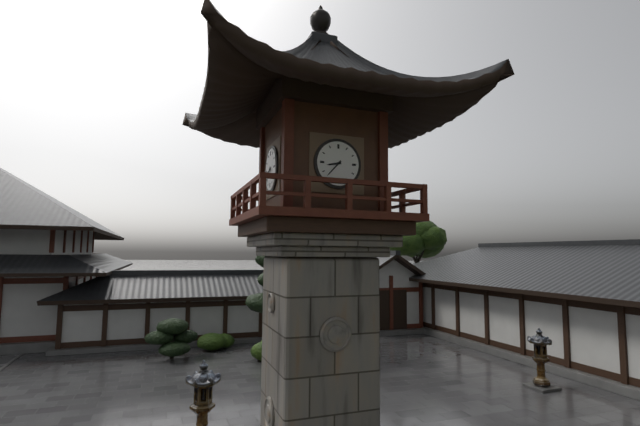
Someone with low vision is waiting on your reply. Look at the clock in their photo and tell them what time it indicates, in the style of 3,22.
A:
8,37
